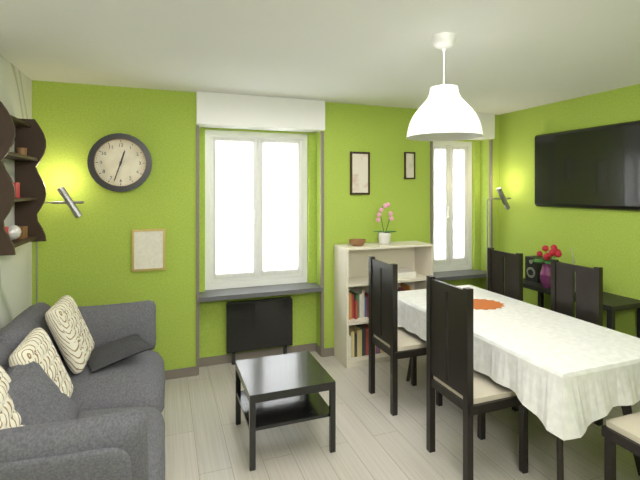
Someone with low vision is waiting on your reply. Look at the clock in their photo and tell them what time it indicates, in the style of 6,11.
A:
12,33
